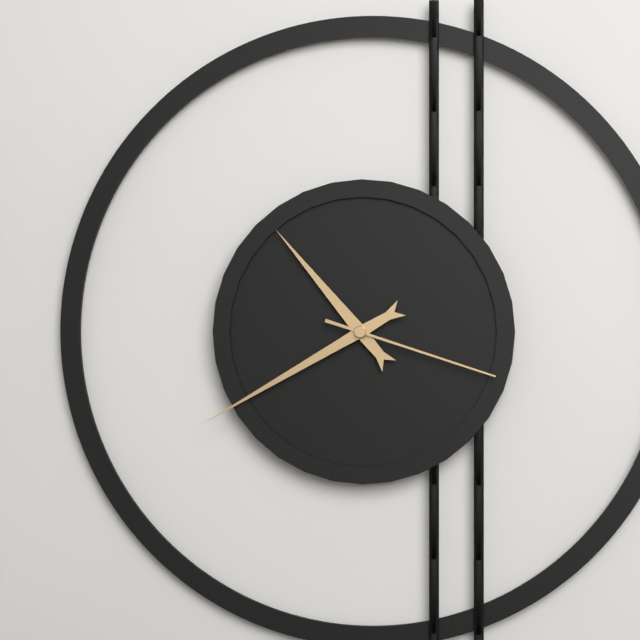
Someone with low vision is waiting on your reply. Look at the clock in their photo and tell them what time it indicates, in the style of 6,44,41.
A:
10,40,18
